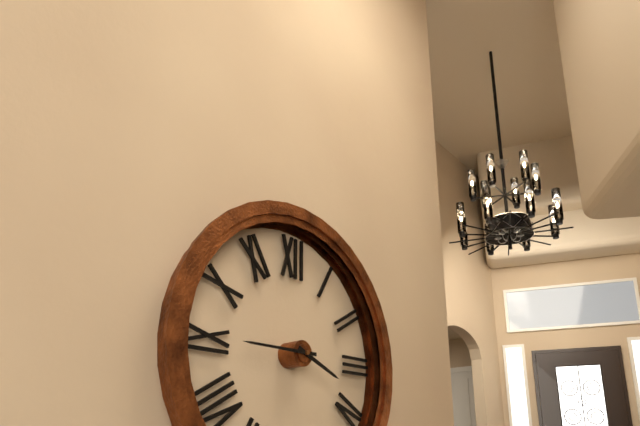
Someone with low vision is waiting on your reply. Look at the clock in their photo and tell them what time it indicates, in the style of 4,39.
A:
3,45
